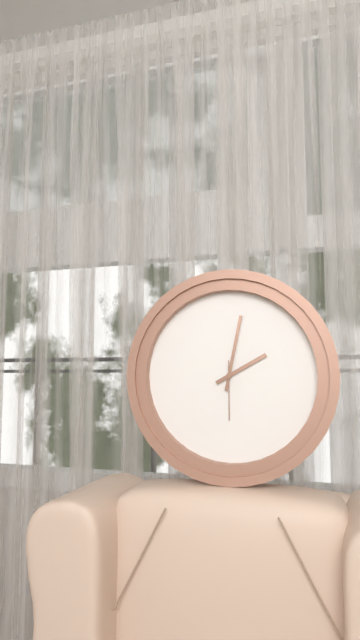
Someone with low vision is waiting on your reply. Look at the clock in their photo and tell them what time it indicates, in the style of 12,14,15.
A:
2,02,30
